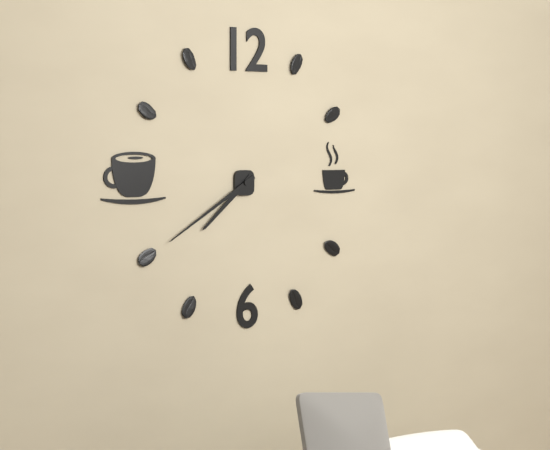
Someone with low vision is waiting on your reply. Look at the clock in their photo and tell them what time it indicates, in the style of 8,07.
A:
7,40
